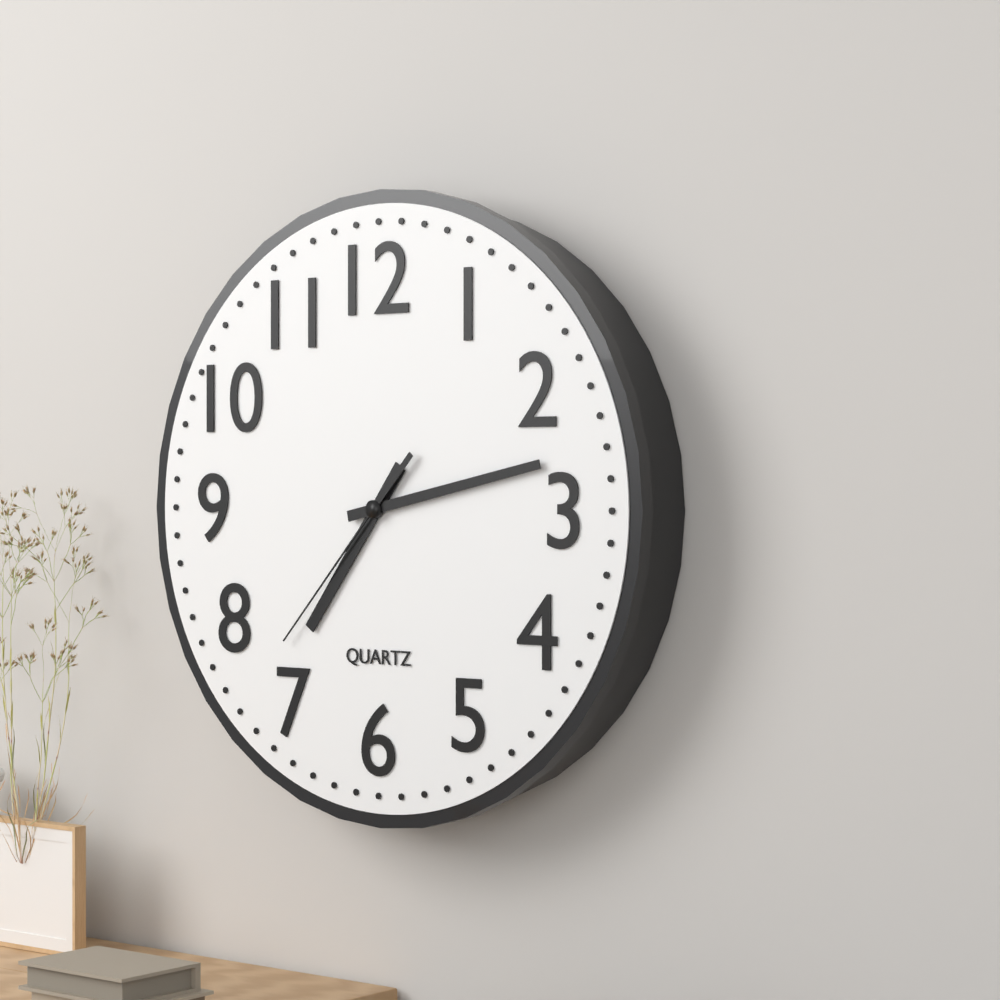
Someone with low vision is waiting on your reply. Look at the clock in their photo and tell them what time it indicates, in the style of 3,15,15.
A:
7,13,37
